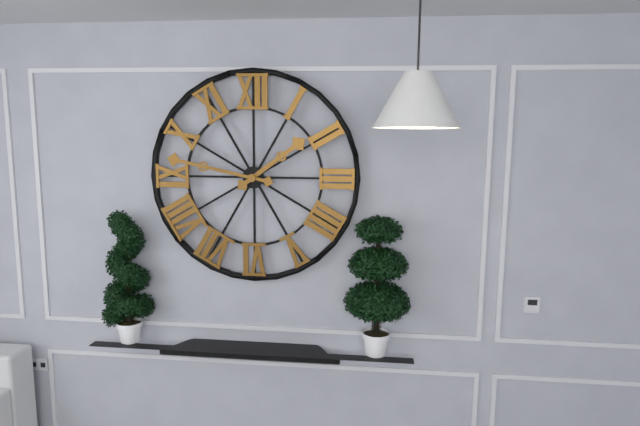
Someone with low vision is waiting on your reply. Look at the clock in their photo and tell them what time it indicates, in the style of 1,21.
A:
1,47
